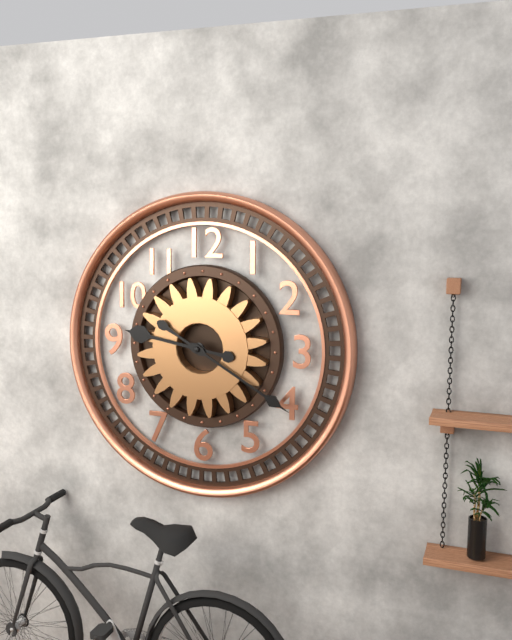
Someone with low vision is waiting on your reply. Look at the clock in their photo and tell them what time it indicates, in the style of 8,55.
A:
9,20
